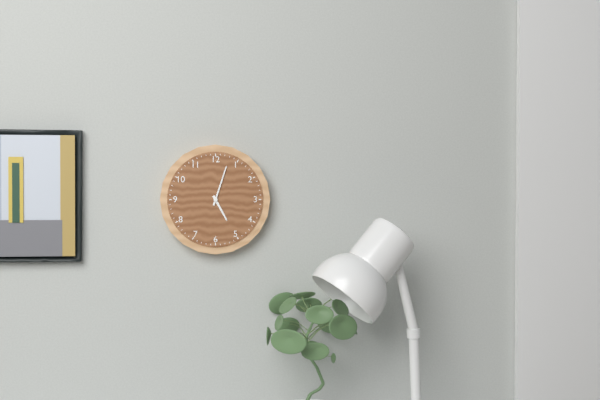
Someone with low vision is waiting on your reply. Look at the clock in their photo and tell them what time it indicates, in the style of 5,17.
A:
5,03
